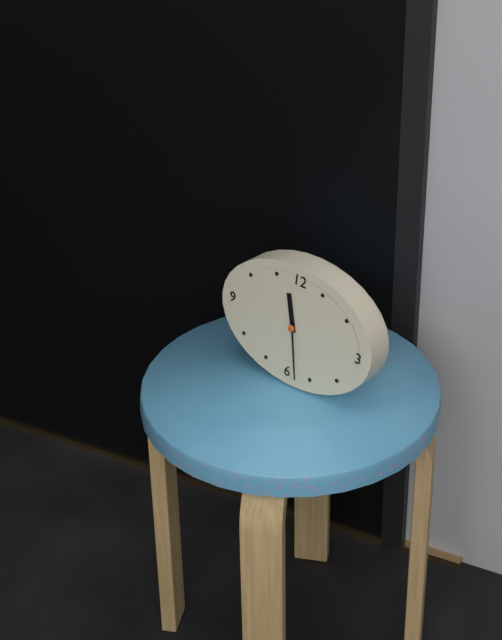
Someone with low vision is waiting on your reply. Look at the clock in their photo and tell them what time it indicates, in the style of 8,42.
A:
11,28
